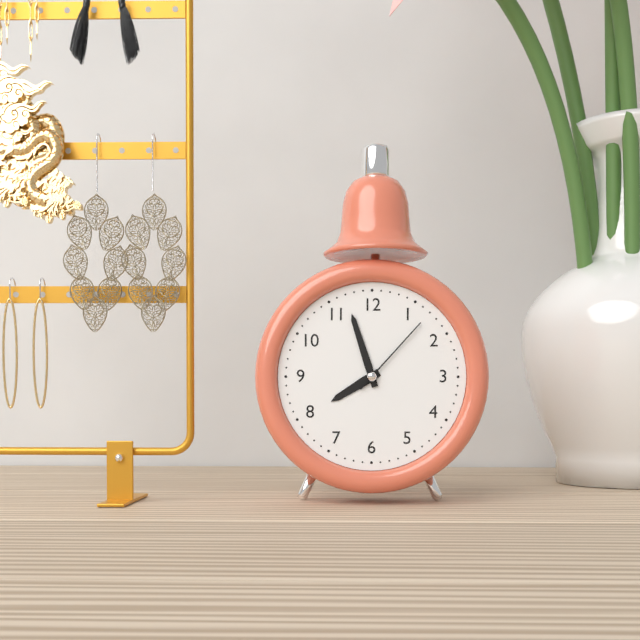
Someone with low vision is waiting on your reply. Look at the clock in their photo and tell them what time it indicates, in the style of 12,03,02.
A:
7,57,07
